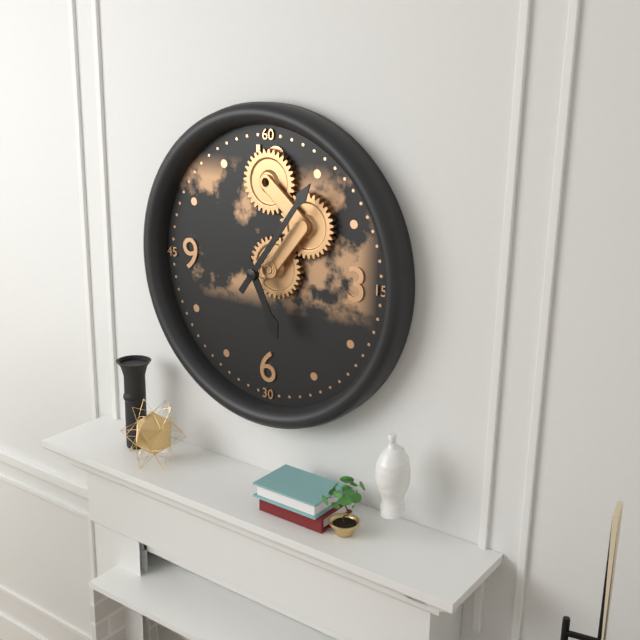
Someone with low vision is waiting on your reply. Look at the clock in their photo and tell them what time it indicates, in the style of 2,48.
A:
5,06
